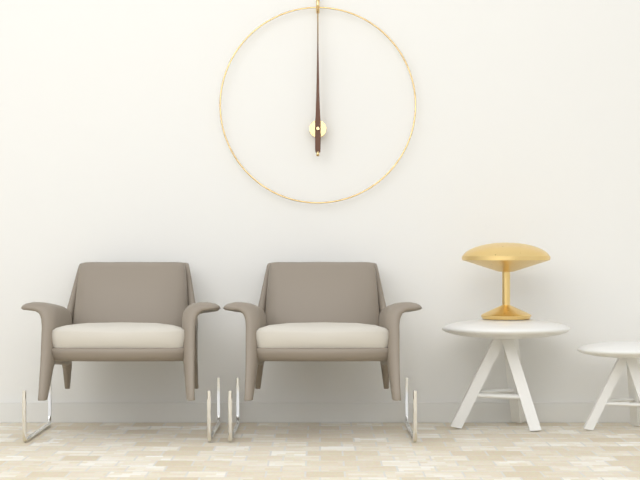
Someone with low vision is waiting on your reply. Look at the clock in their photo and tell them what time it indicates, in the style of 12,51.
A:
12,00
